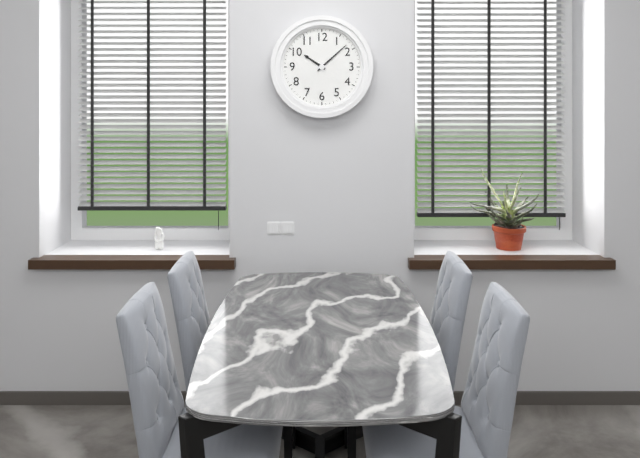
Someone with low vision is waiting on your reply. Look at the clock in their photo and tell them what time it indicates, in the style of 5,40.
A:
10,08
